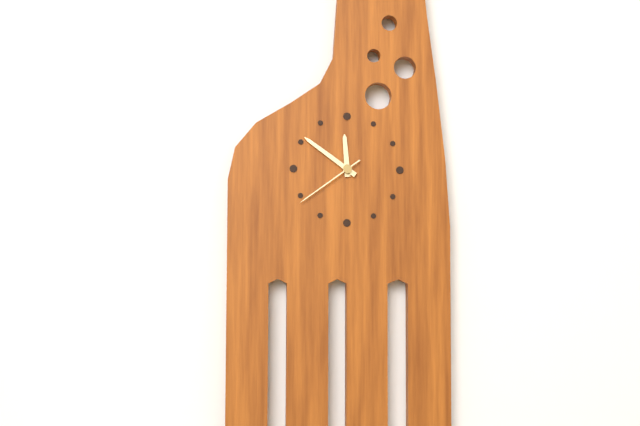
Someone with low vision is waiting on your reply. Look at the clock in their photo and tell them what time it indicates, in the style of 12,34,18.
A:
11,51,39
